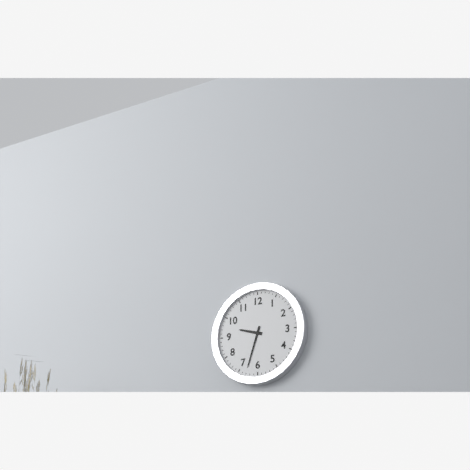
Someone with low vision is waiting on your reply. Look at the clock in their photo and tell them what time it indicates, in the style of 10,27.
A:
9,33
